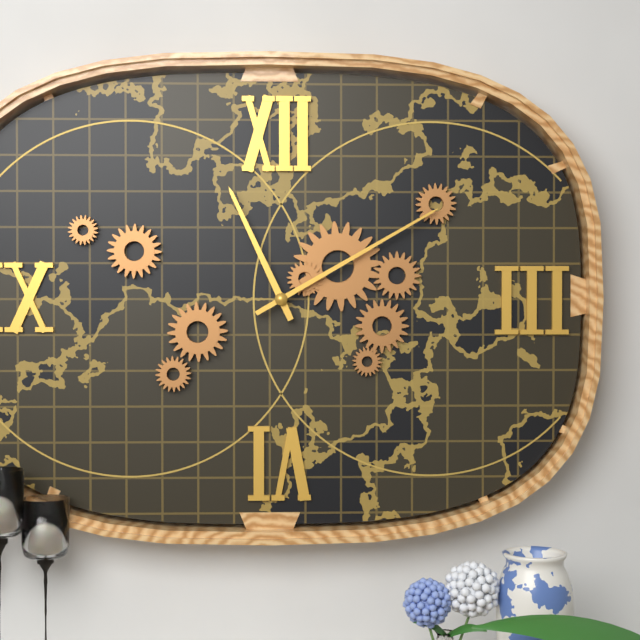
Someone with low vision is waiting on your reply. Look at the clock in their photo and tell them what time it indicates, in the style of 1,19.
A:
11,10
